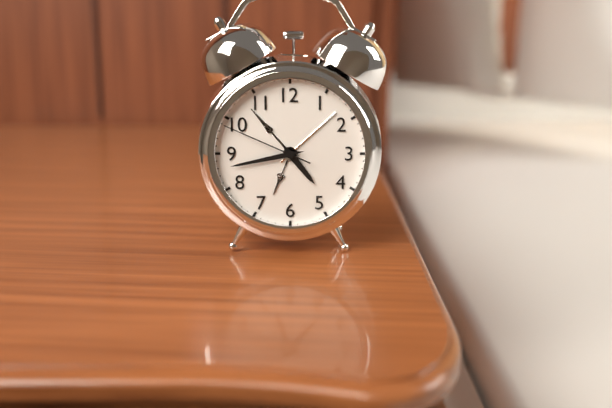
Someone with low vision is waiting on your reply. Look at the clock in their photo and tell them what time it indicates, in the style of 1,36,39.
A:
4,43,49
